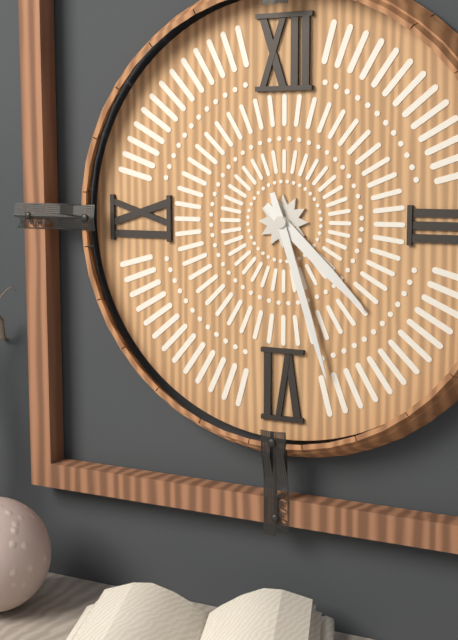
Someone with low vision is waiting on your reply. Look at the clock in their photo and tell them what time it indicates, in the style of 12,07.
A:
4,27
